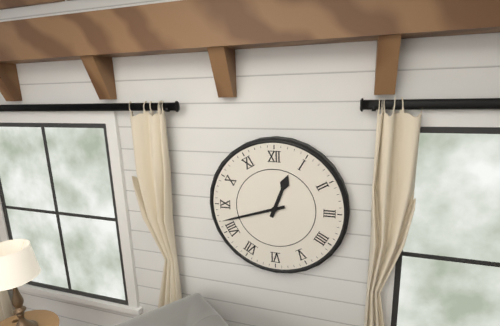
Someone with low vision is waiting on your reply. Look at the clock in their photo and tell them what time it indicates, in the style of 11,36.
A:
12,42
